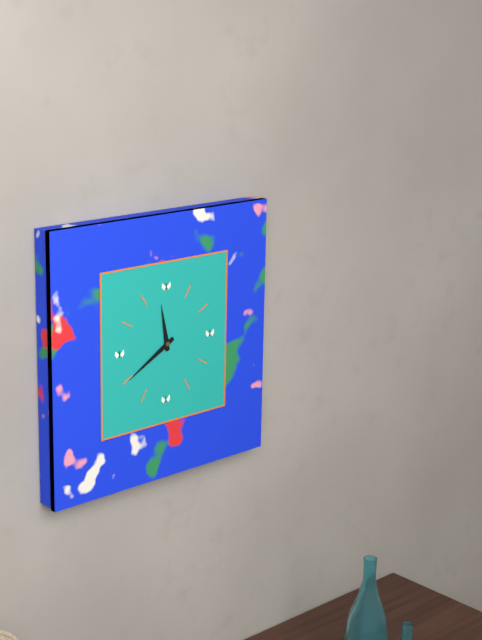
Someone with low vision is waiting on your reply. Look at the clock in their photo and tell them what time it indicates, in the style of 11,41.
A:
11,40
